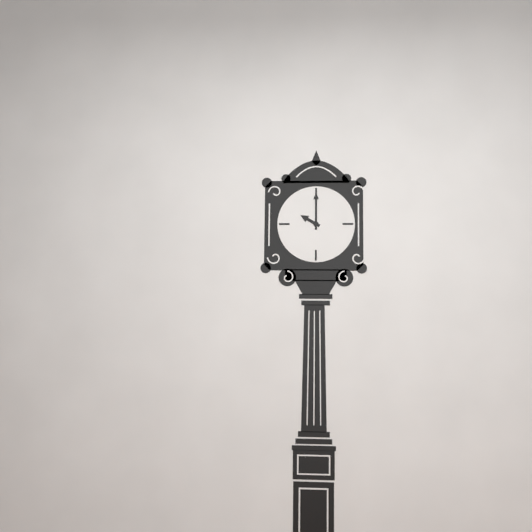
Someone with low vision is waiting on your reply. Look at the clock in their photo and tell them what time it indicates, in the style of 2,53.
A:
10,00
